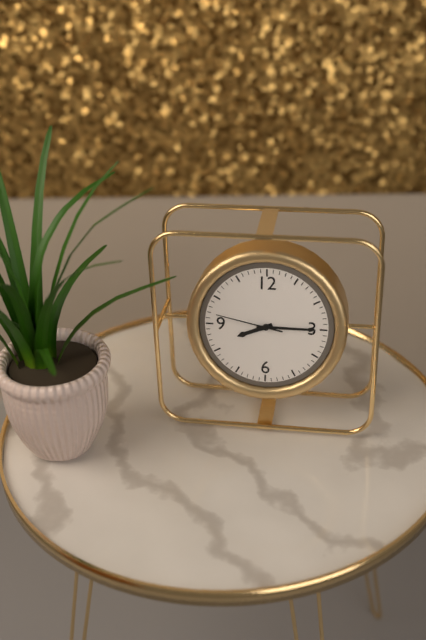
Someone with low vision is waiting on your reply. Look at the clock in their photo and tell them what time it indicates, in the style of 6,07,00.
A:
8,15,47
